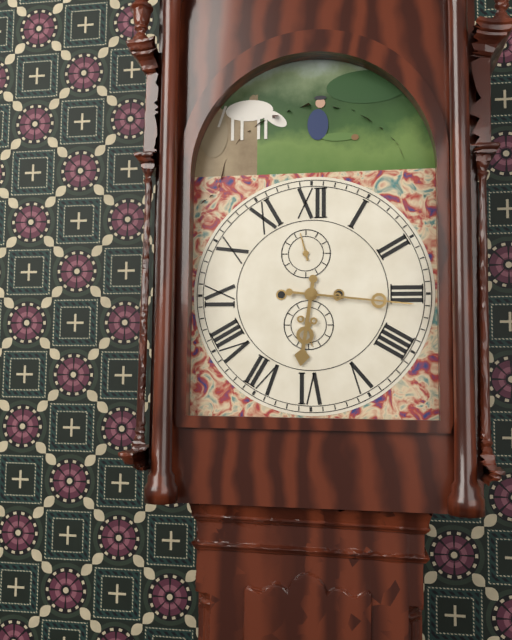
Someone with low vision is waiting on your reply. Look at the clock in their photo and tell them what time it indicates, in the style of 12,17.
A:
6,16
